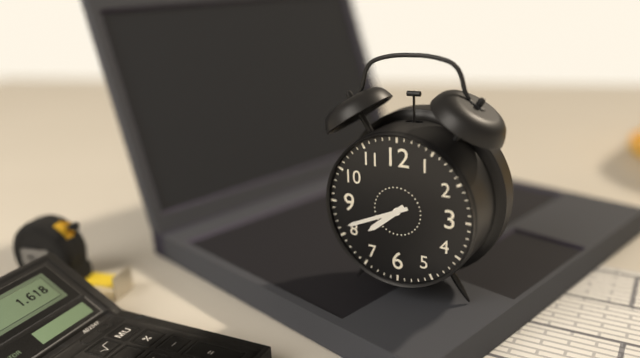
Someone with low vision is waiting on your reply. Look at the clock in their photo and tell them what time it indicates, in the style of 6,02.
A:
7,41
